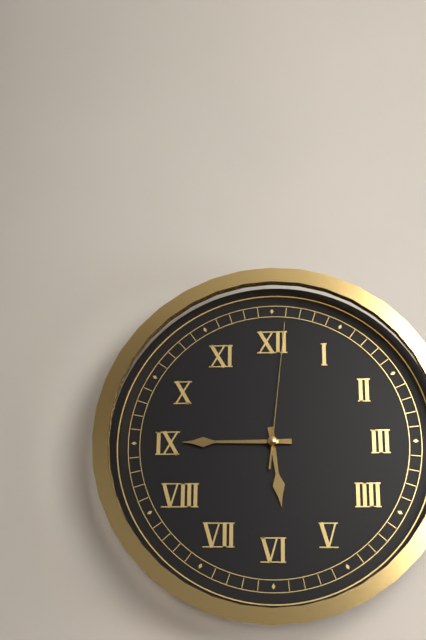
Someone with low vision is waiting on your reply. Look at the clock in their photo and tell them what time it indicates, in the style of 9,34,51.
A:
5,45,01
